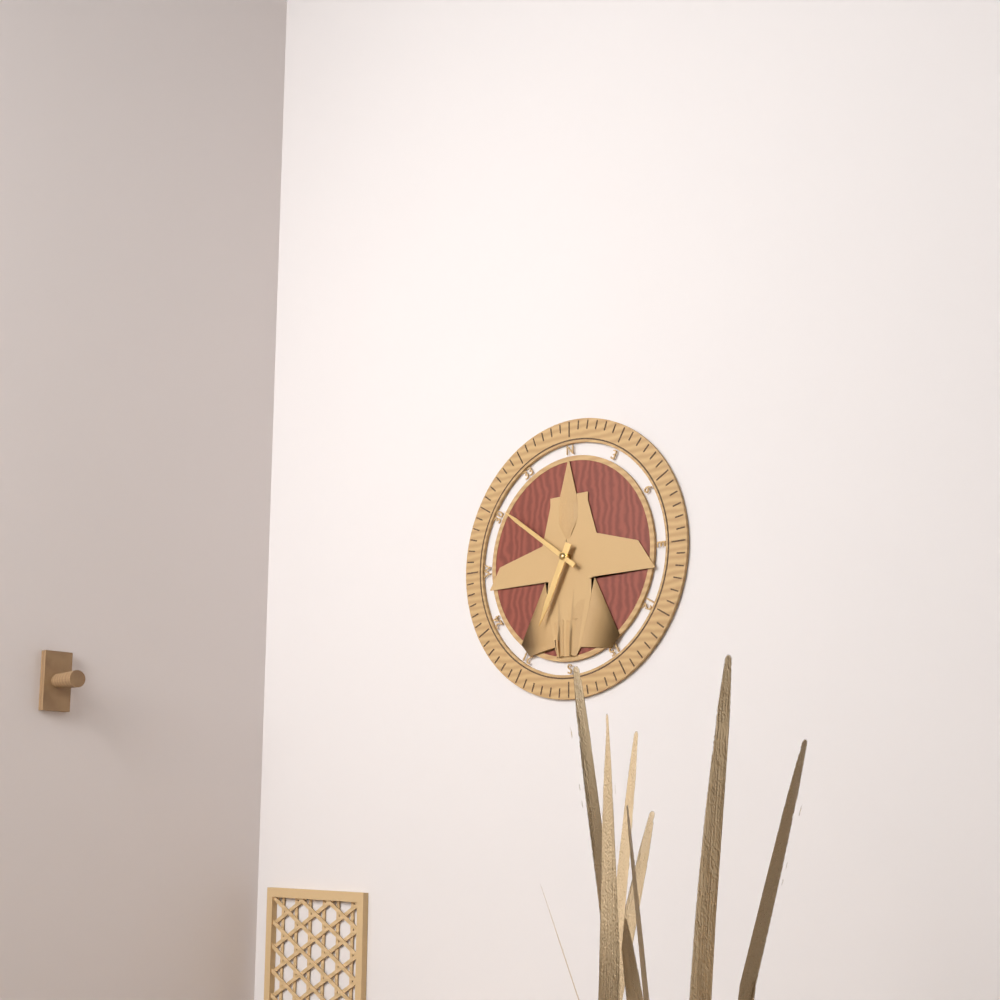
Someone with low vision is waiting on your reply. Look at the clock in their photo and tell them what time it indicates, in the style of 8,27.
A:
6,51
